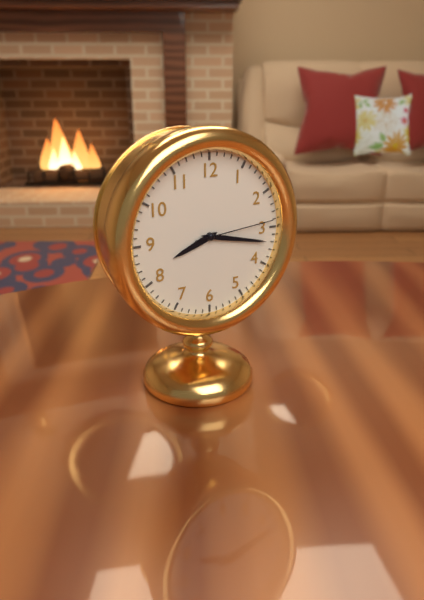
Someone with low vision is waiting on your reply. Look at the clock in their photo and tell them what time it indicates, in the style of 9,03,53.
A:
8,17,14
